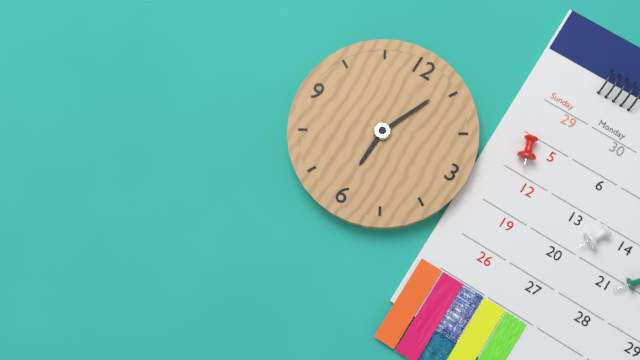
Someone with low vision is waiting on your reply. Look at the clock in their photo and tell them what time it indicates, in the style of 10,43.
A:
6,04
